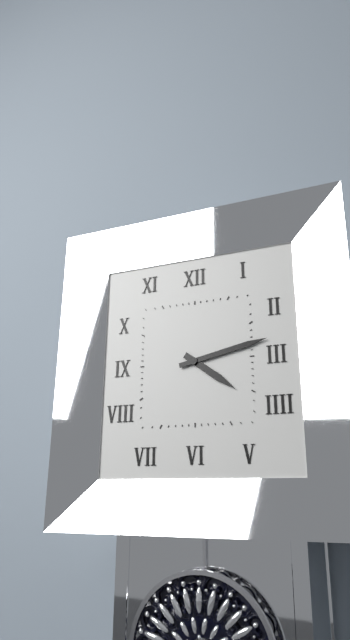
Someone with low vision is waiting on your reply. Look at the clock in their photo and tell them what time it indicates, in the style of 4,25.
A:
4,13
